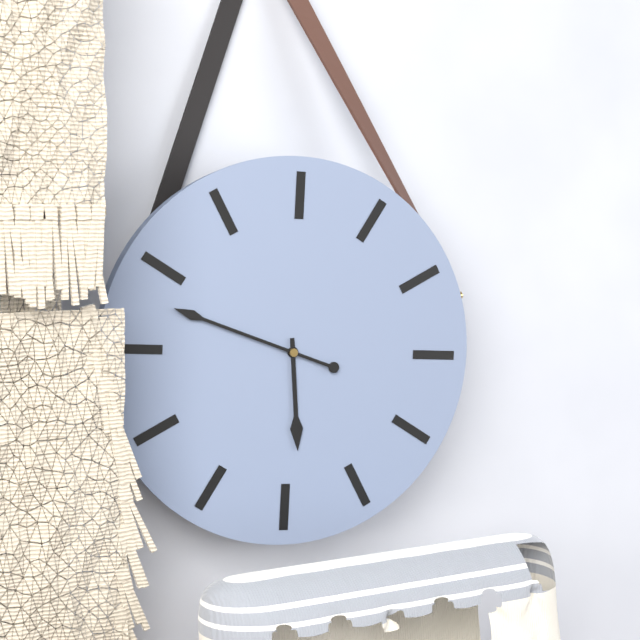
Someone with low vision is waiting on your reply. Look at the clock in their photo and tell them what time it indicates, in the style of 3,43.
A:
5,48
